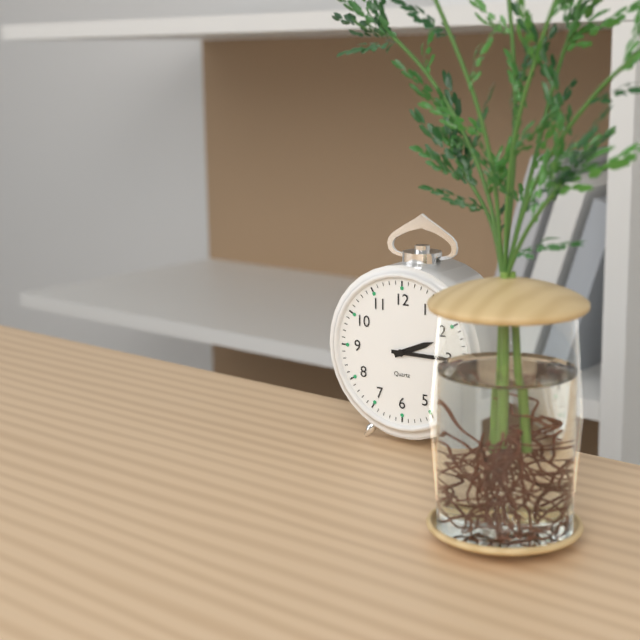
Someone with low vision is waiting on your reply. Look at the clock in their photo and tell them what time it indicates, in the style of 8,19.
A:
2,15
